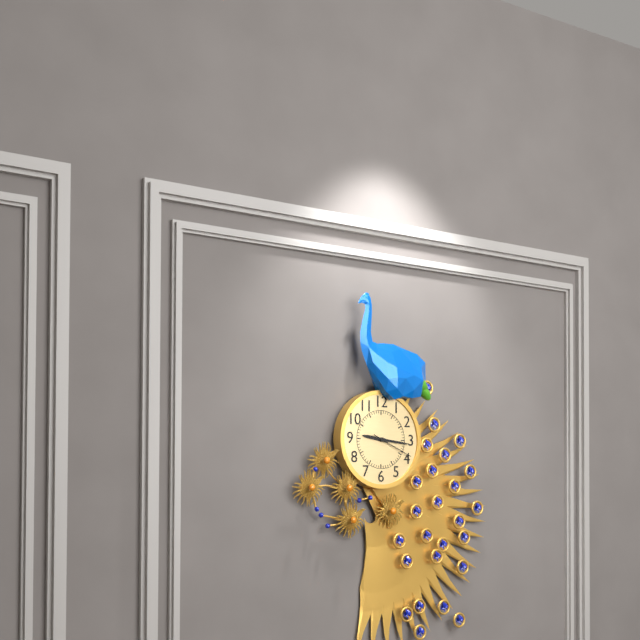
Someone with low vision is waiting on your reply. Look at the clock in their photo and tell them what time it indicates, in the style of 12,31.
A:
9,16
